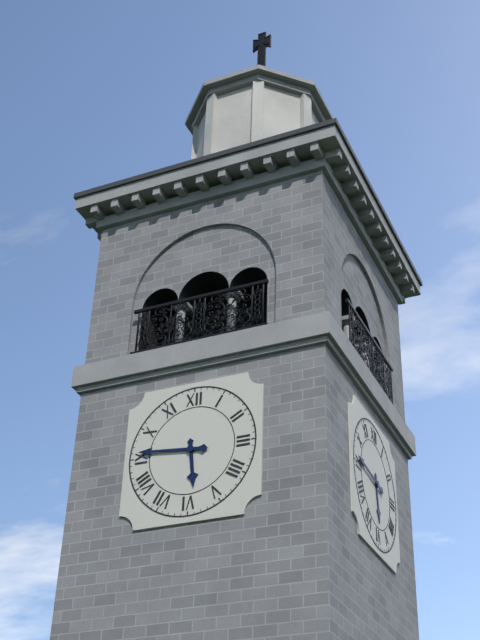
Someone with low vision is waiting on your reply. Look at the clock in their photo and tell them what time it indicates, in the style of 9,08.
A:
5,46
